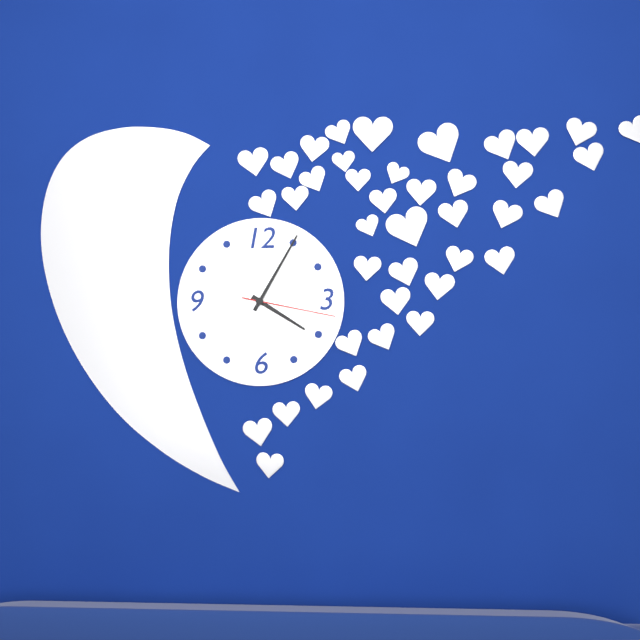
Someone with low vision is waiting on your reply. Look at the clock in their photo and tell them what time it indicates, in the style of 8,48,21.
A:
4,05,17
